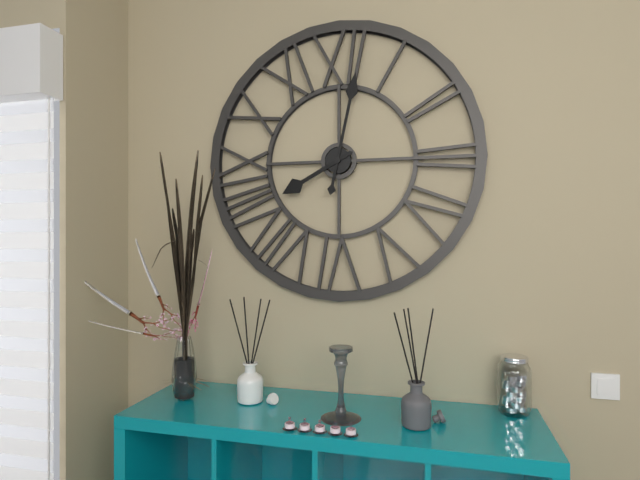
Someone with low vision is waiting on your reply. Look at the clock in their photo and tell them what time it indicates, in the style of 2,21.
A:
8,02
